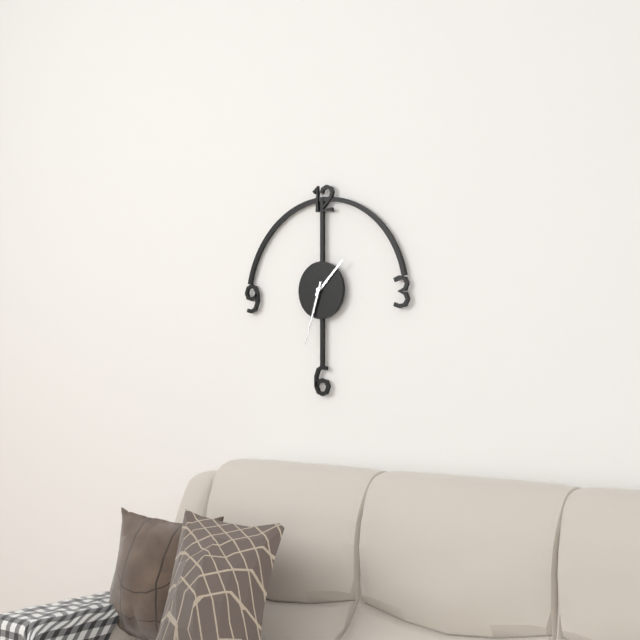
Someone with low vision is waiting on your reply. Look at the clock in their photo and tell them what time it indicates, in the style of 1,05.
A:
1,33
